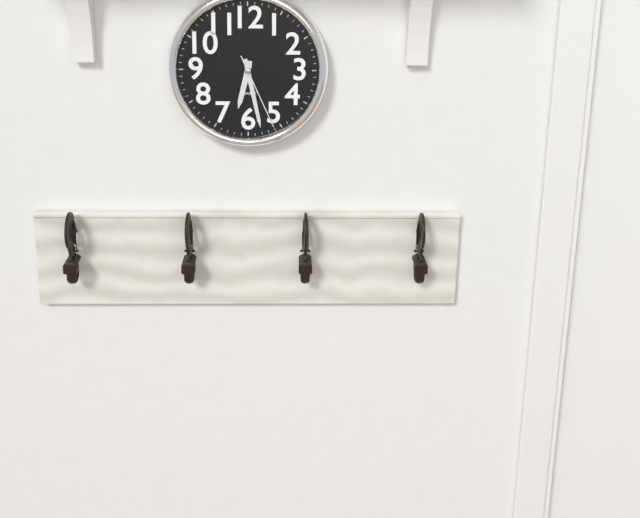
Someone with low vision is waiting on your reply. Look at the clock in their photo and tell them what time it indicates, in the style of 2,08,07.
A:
6,28,26
